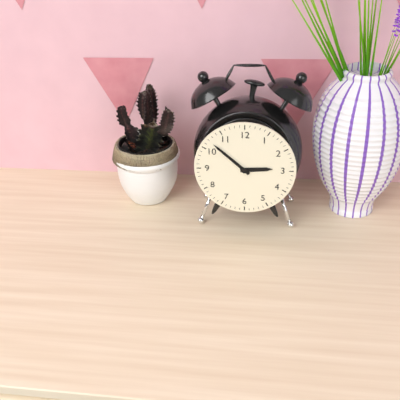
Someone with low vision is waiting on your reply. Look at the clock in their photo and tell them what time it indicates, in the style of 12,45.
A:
2,52
